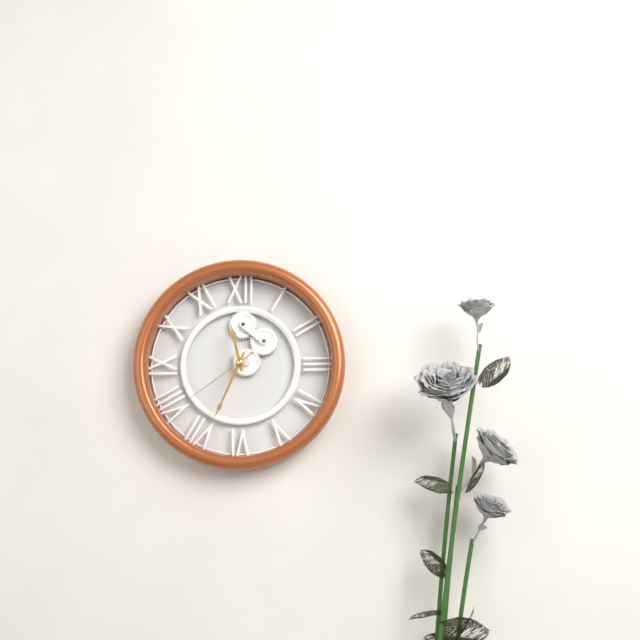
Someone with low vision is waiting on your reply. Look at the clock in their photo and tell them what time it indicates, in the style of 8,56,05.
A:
11,34,39
